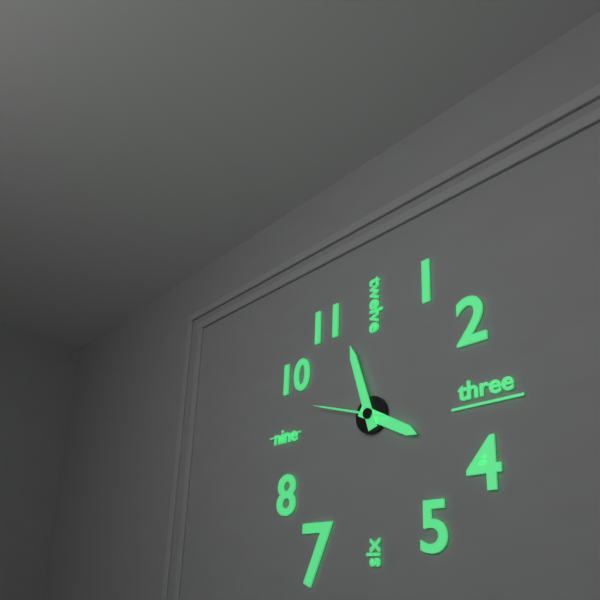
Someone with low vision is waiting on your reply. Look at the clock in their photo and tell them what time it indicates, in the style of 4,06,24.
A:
3,57,48
